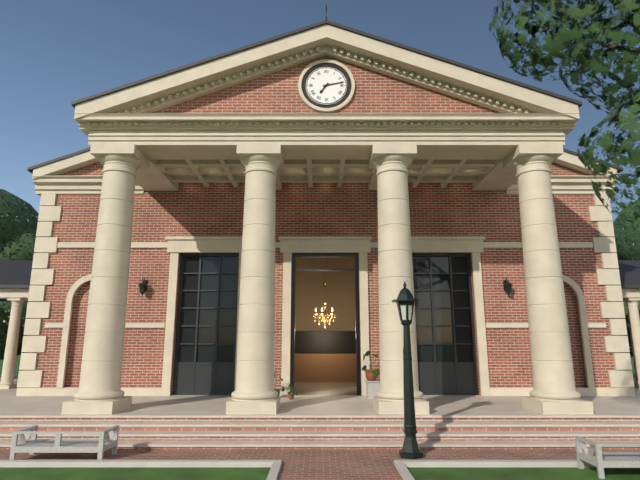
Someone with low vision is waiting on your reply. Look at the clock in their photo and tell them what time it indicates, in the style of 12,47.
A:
7,13
